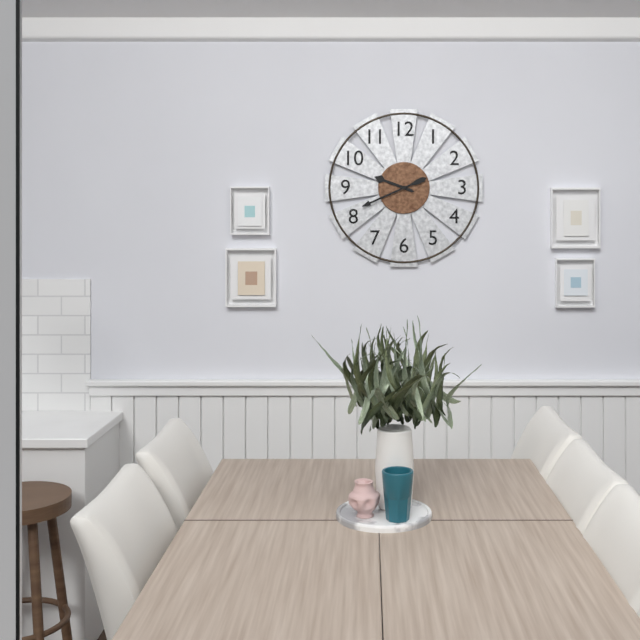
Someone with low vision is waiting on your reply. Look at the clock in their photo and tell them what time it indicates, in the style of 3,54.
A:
9,41
